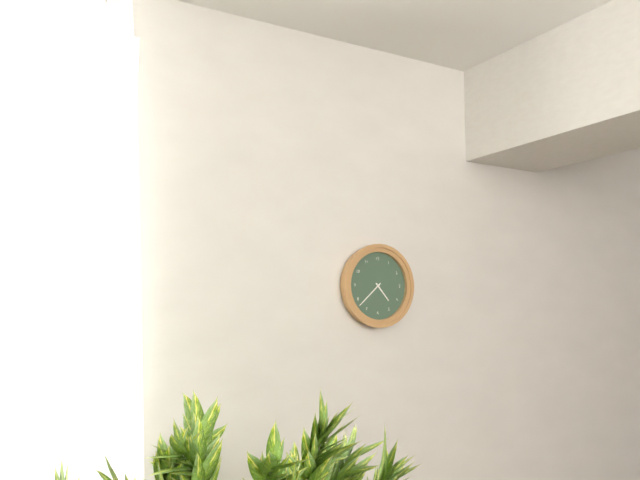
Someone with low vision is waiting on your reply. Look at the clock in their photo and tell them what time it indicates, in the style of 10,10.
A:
4,38
